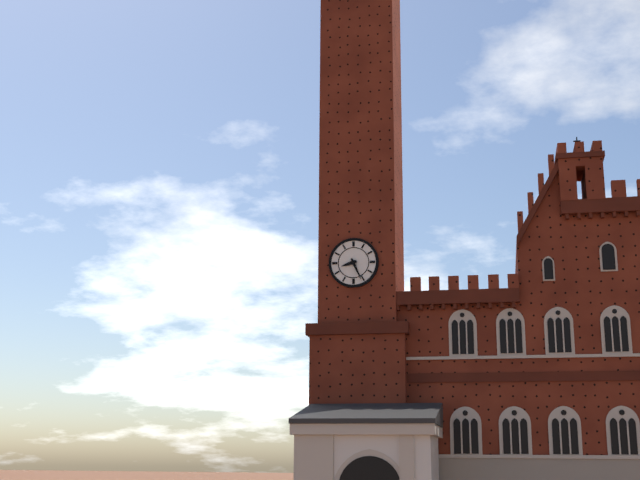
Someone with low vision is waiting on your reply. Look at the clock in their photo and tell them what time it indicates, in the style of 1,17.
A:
8,26
